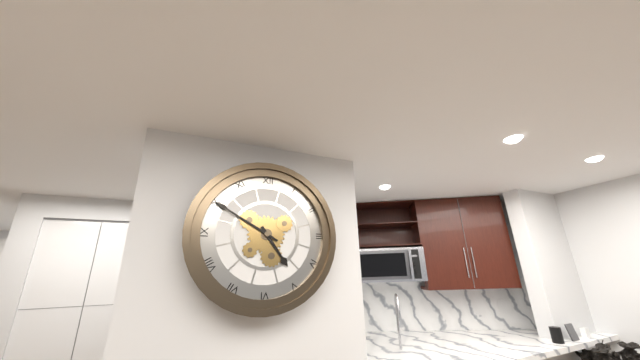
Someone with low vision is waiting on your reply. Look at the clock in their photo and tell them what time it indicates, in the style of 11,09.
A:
4,50
